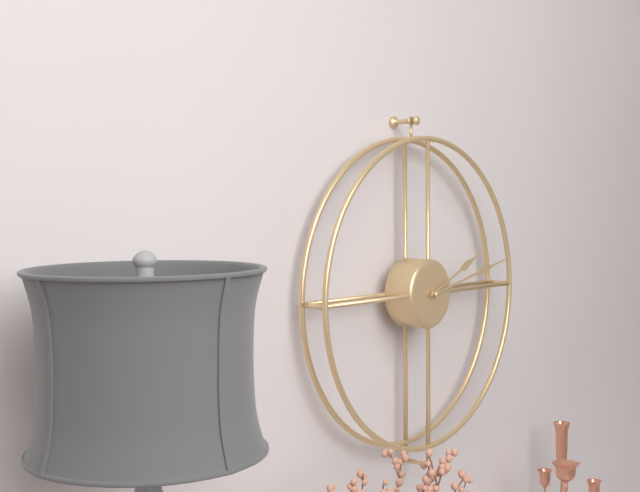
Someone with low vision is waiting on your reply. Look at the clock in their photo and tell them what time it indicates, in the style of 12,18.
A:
2,13
